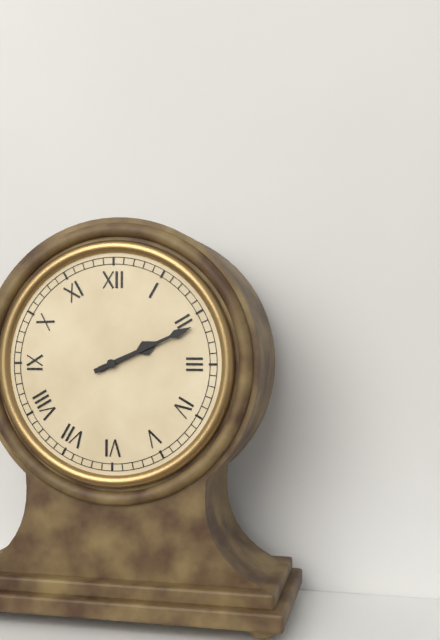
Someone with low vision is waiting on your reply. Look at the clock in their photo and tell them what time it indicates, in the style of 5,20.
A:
2,11
